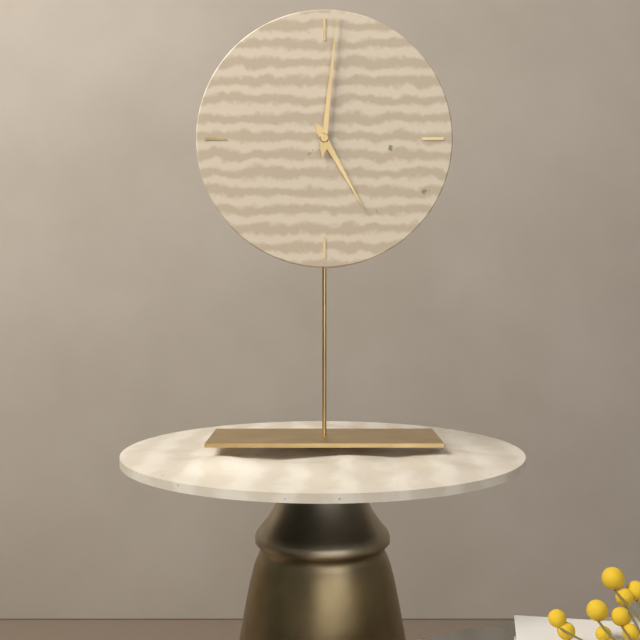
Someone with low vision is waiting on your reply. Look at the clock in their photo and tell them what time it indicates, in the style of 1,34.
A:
5,01
